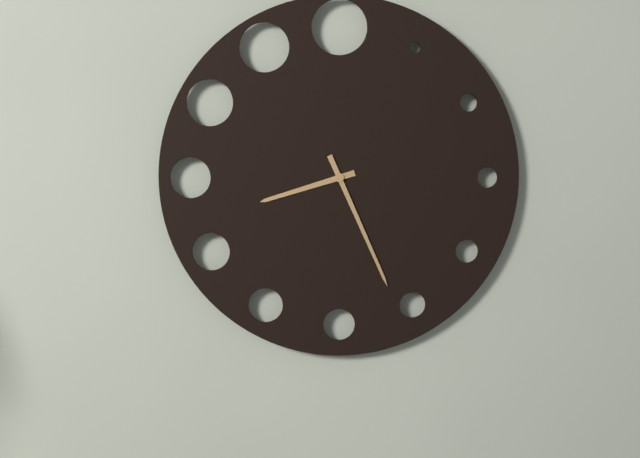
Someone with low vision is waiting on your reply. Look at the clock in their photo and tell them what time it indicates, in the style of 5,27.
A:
8,26
